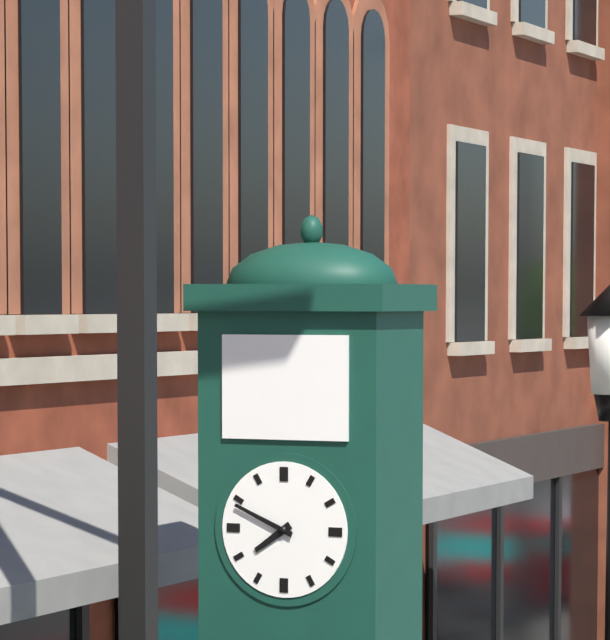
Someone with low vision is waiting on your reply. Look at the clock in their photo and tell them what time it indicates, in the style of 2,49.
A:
7,49
